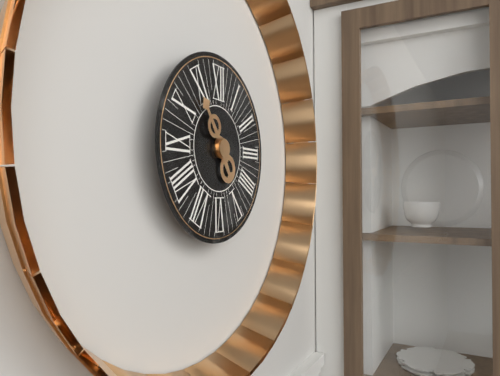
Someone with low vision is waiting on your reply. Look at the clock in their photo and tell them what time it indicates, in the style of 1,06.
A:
4,54
